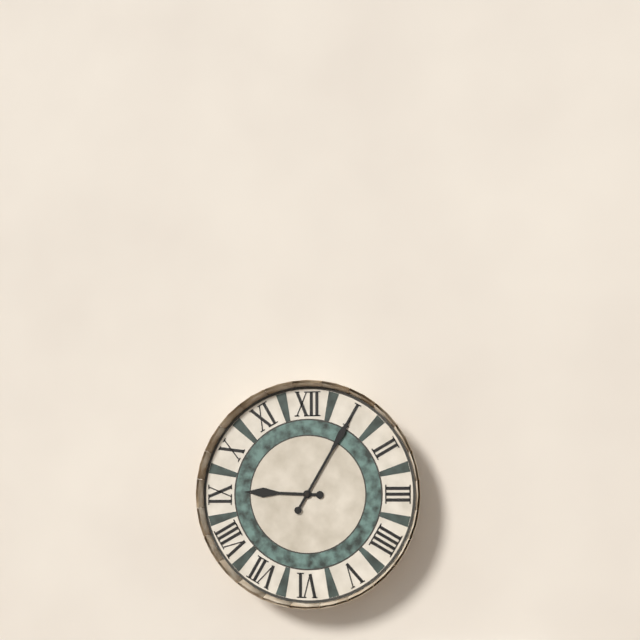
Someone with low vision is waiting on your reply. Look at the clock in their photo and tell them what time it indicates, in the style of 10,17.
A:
9,05
